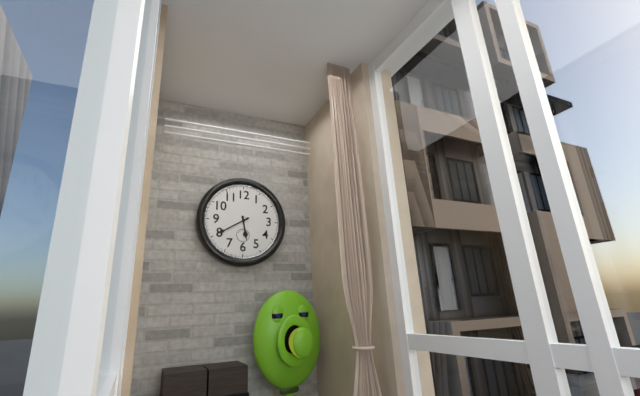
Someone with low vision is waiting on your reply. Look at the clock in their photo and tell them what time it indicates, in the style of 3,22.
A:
5,40
